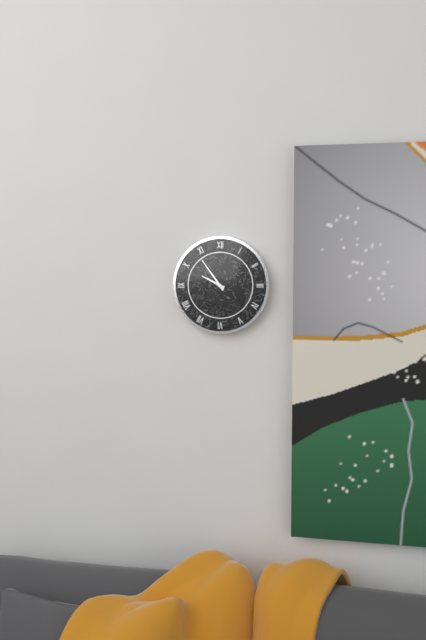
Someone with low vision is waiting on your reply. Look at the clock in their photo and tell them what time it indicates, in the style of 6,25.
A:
9,54
